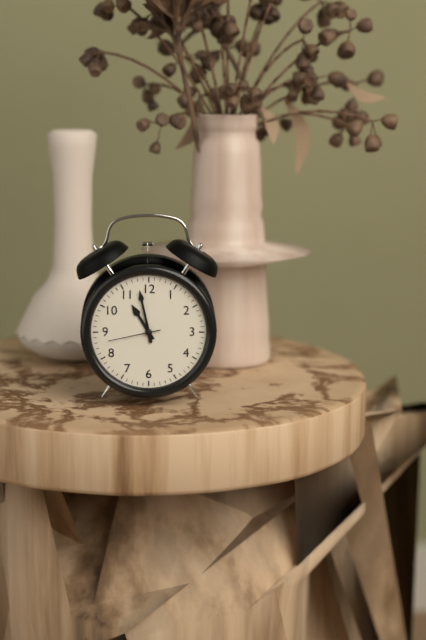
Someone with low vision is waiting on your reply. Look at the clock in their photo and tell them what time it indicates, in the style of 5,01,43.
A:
10,58,43
